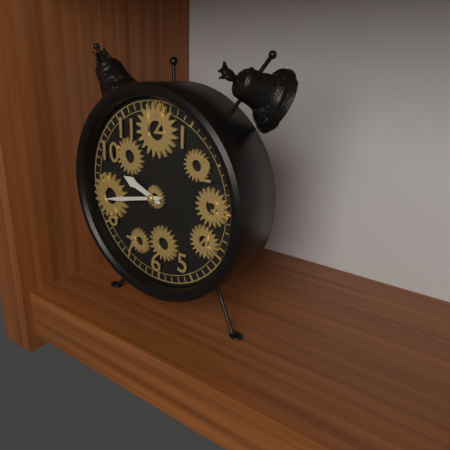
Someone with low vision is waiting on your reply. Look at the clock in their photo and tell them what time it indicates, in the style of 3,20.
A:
9,43
